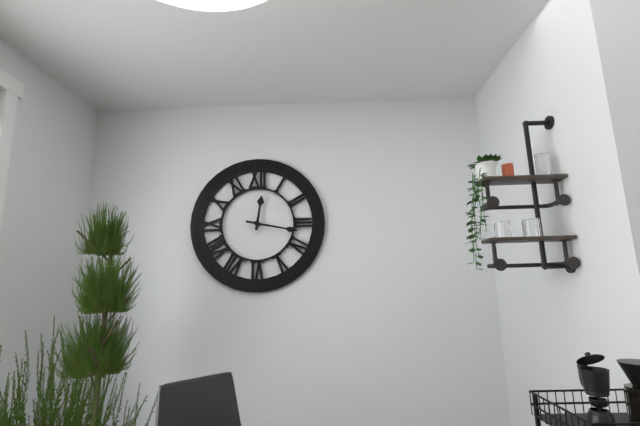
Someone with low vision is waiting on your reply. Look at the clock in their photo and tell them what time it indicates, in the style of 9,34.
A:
12,17
